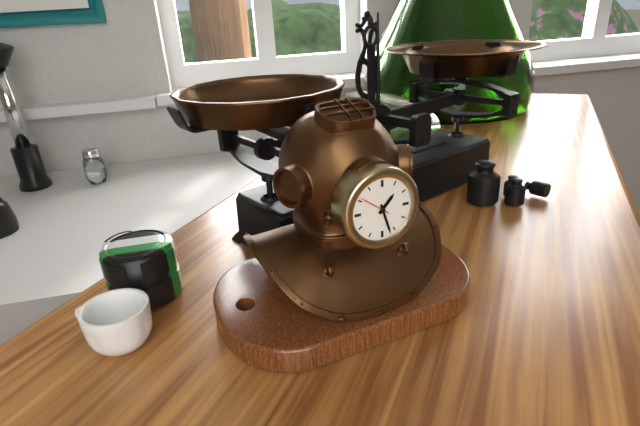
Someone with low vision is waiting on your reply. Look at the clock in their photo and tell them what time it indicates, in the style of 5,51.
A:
1,27
